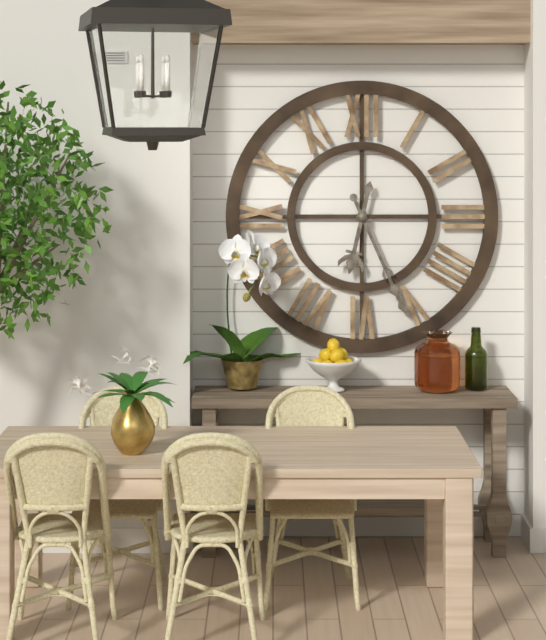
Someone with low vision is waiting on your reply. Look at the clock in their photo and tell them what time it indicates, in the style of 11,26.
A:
6,26
